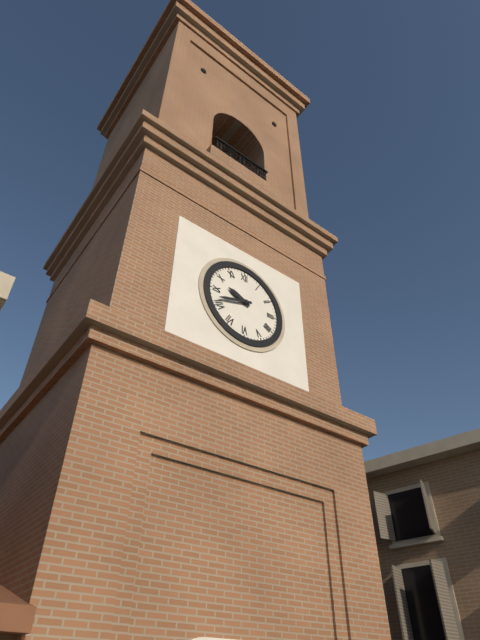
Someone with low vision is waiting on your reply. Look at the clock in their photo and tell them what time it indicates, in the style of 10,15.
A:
9,42
